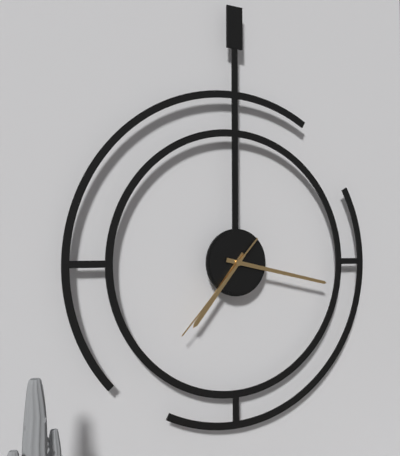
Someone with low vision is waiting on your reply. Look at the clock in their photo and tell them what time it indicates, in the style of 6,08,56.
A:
7,17,37
